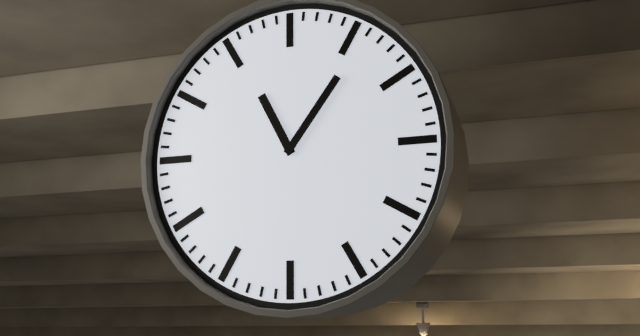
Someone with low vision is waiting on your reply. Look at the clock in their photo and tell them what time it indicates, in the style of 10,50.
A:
11,06
